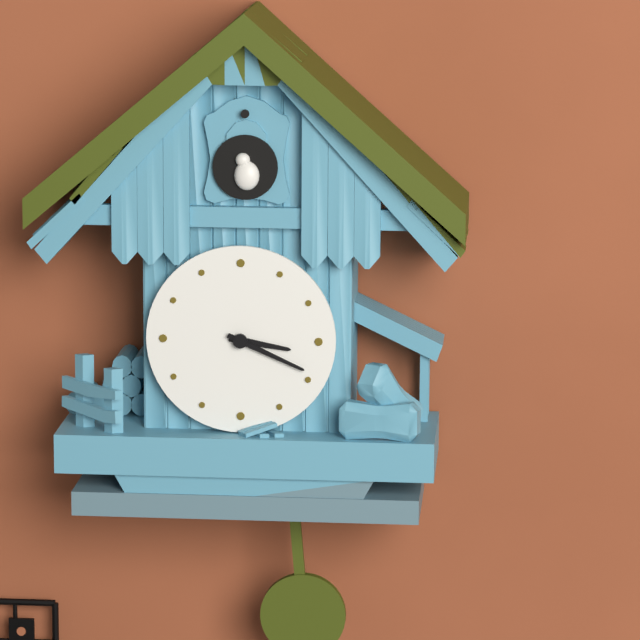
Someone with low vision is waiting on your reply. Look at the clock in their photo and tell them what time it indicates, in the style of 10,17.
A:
3,19
